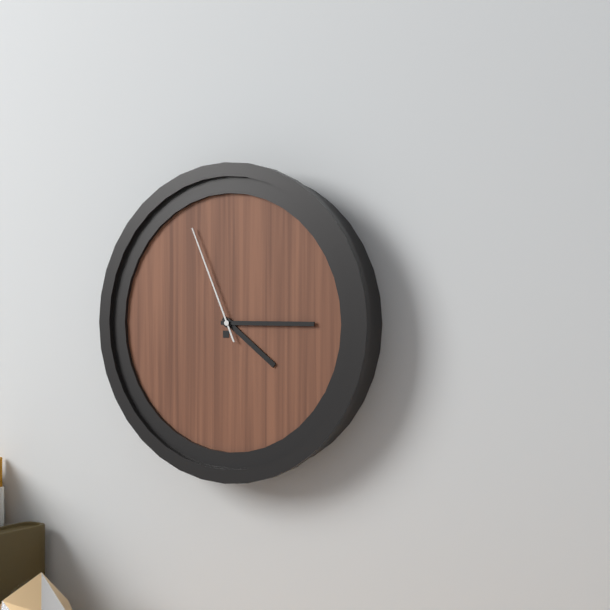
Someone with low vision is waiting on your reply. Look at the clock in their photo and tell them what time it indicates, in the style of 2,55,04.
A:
4,15,56
